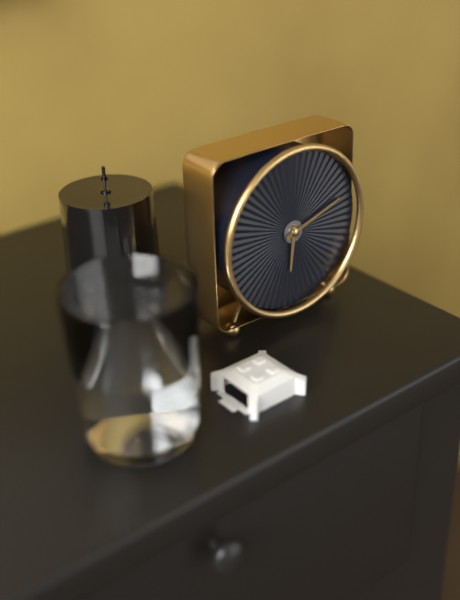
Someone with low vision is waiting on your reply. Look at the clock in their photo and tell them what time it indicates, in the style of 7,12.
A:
6,12
